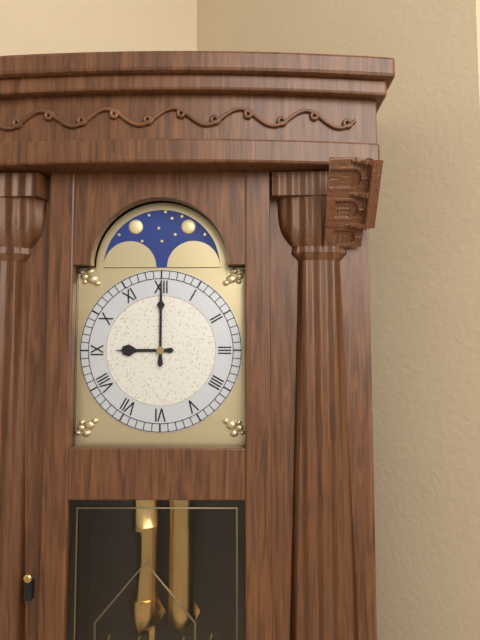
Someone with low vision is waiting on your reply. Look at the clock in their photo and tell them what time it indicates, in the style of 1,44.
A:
9,00
